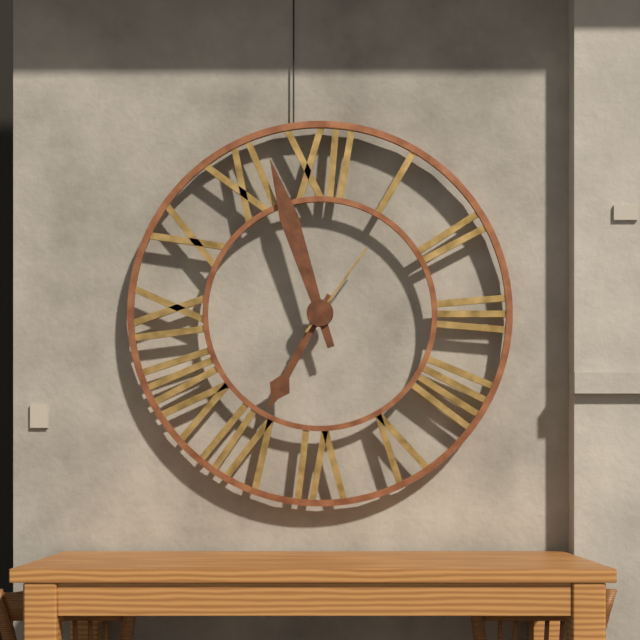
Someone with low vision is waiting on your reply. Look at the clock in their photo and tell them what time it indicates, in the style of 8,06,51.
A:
6,57,06
